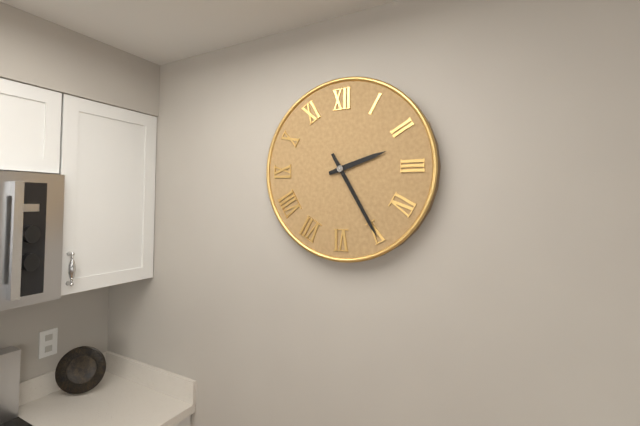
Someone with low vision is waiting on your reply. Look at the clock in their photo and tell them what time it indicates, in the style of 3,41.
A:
2,25
